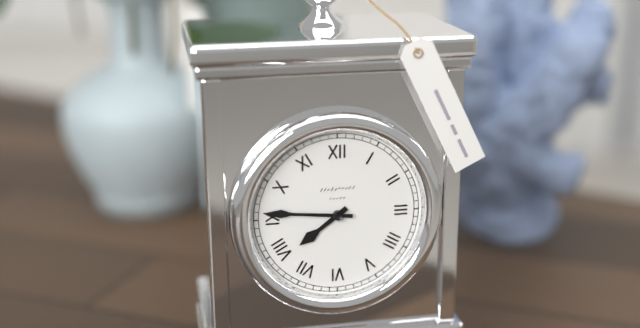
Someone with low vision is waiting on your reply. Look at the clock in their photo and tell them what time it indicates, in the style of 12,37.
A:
7,46
